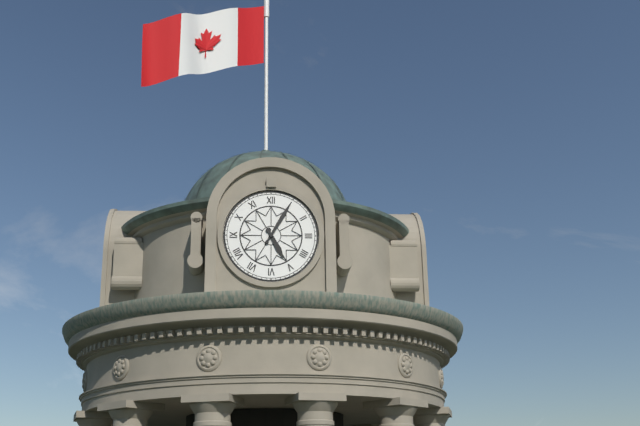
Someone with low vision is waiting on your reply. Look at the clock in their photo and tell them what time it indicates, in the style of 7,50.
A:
5,05
